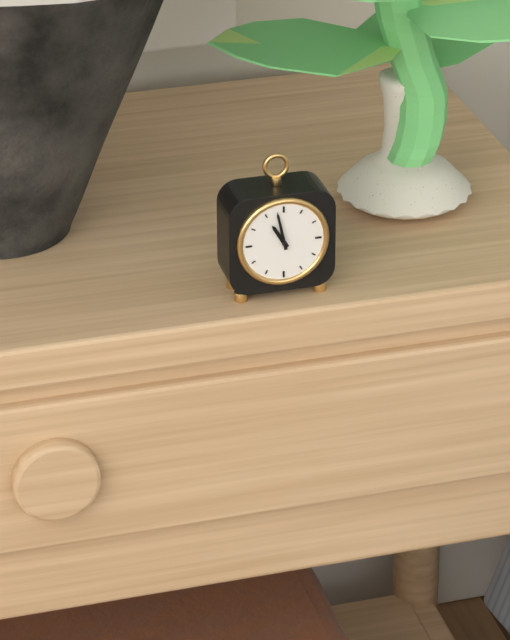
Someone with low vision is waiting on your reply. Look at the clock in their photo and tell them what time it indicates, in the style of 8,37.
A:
10,58
